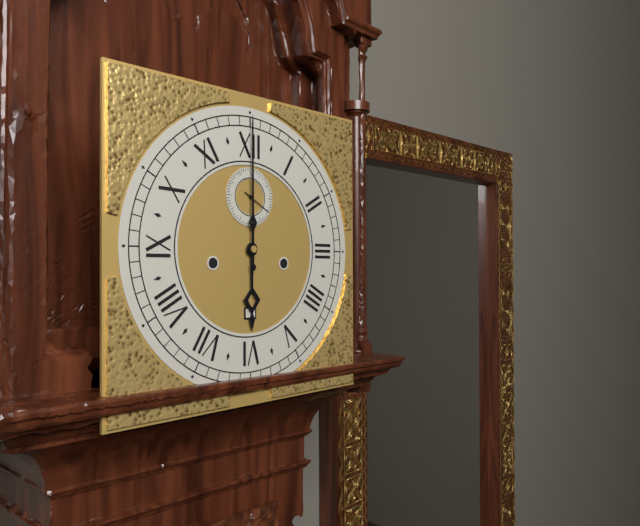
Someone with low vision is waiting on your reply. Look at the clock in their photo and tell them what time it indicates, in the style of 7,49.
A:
6,00
